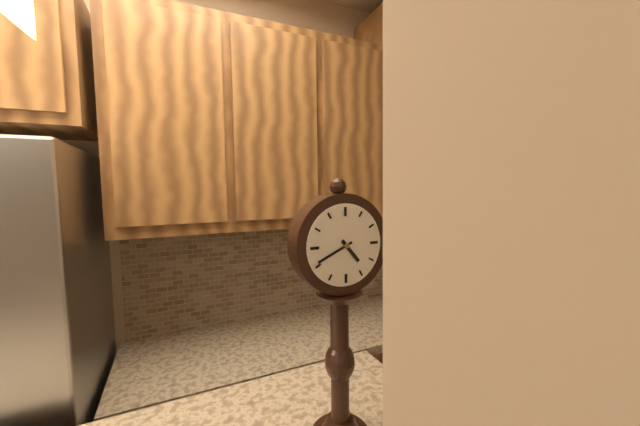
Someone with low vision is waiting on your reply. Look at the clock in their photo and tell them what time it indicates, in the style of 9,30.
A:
4,41
